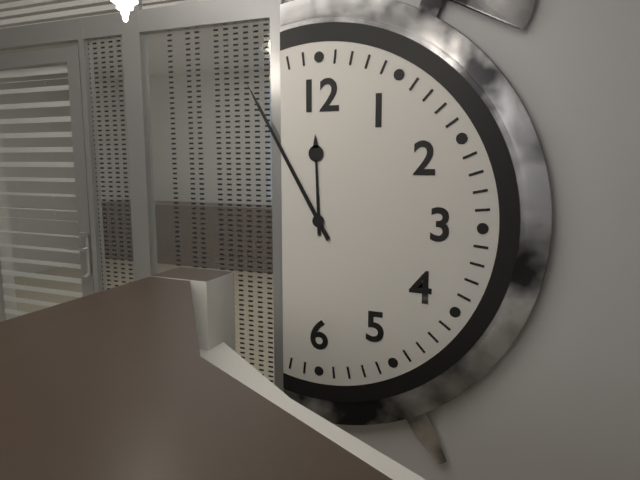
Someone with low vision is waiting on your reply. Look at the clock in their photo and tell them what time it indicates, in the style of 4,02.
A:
11,55
